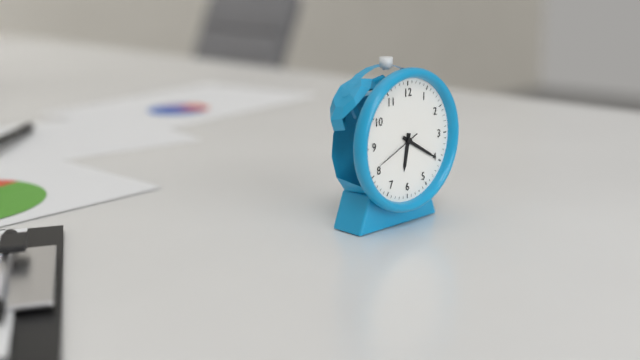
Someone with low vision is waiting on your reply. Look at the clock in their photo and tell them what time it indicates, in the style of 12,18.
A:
6,20
